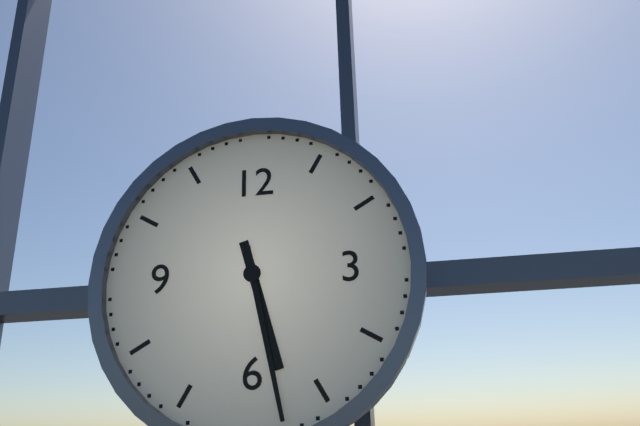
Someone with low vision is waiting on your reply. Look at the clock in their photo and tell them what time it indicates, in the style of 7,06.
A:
5,28
